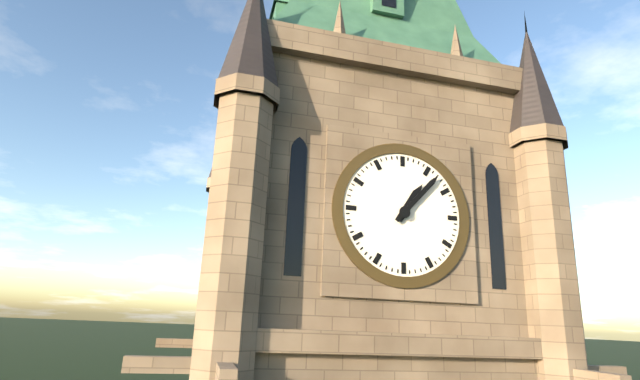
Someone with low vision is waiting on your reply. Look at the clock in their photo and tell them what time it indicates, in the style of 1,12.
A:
1,07
